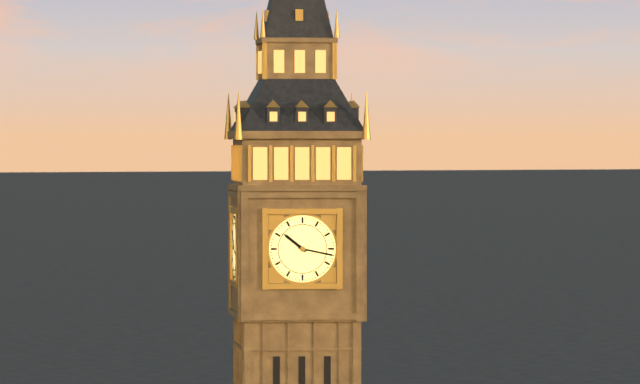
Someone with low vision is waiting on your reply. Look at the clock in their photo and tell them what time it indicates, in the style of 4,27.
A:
10,17
